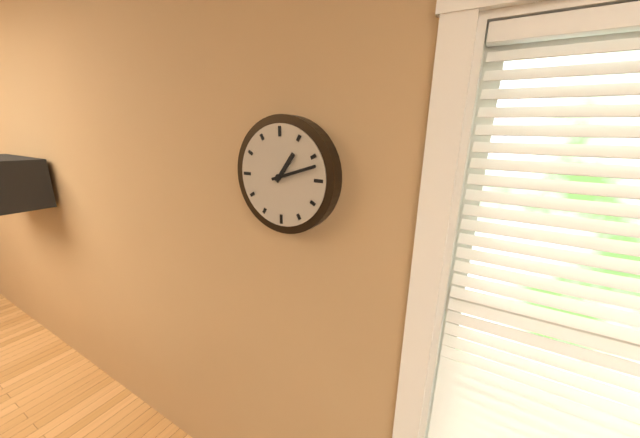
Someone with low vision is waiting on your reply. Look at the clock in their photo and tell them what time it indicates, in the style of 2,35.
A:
1,12
